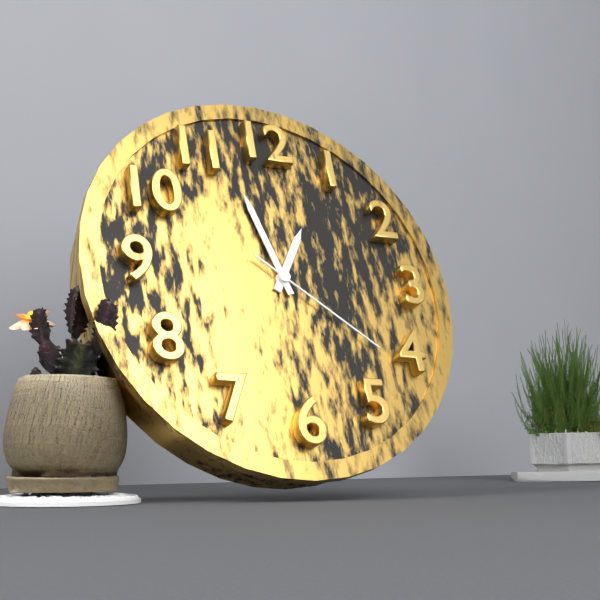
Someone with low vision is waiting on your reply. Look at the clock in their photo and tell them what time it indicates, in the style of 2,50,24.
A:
12,57,21
